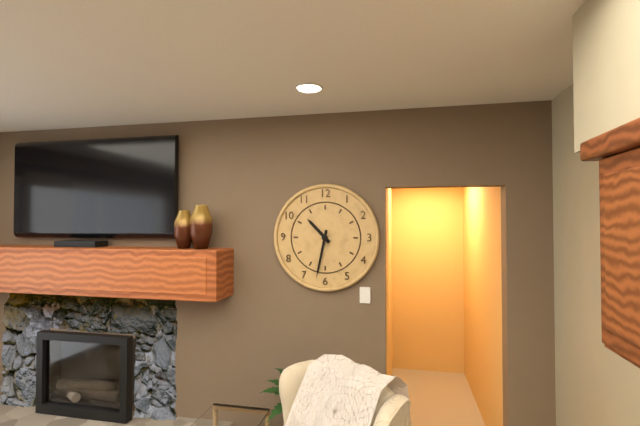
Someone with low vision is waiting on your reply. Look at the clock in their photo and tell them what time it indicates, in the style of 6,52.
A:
10,32
